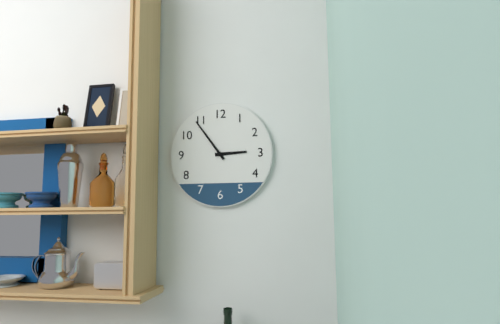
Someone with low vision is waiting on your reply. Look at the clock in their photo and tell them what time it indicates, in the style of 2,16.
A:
2,54
